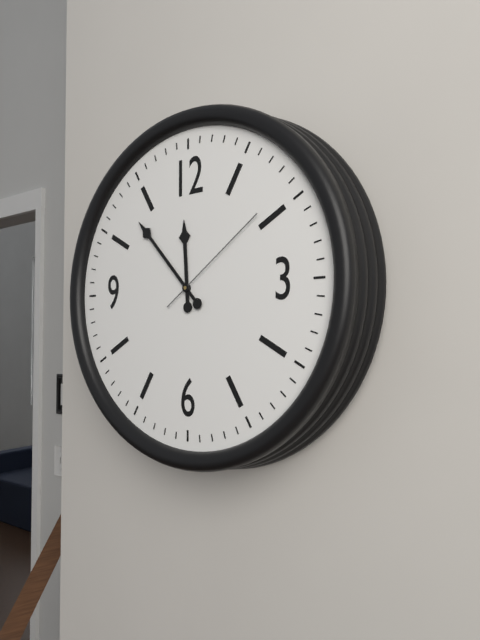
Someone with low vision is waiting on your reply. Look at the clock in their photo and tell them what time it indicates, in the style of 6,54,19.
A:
11,53,09
